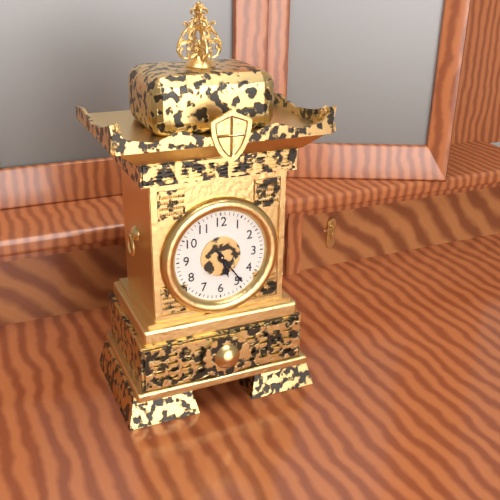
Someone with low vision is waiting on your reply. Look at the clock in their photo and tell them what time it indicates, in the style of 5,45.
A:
5,24
